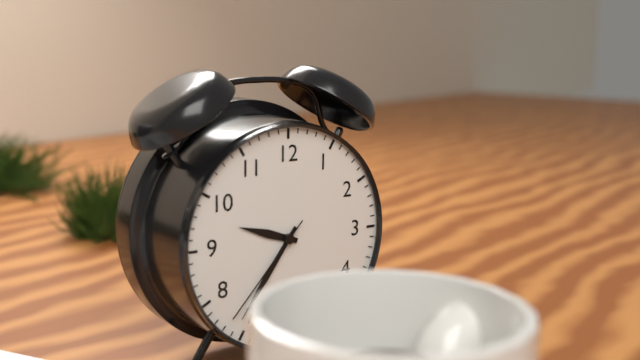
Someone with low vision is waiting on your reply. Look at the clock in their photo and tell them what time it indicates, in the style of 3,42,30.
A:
9,36,37
